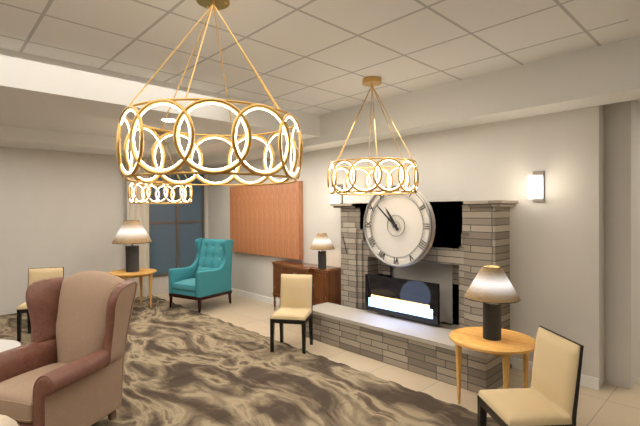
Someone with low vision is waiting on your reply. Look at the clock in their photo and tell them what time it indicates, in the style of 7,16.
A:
10,52
